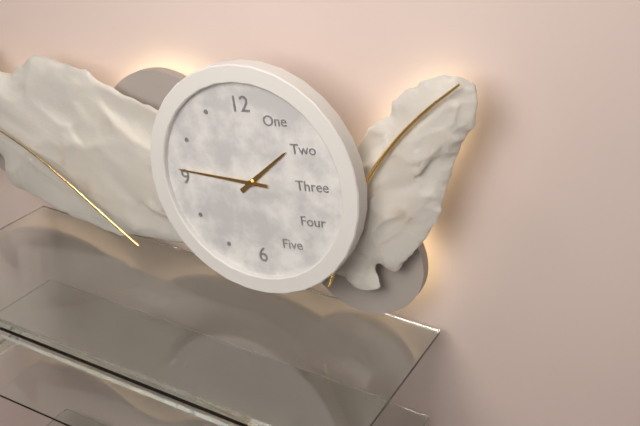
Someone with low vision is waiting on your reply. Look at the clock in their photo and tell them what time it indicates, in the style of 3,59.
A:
1,46
